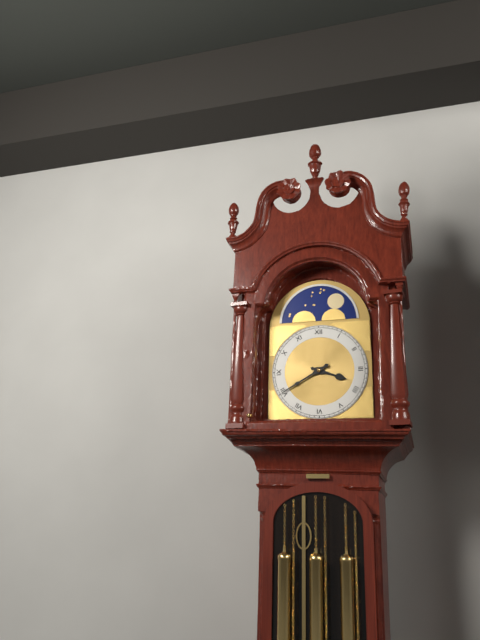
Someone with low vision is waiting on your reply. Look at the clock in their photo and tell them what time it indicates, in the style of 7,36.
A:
3,40
